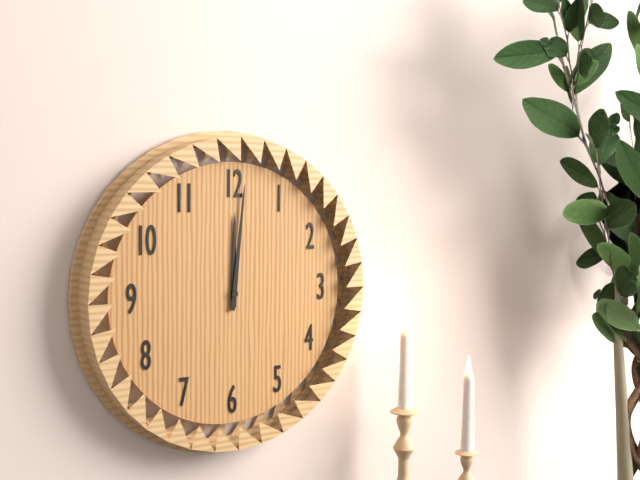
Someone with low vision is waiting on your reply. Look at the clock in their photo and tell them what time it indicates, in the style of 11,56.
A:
12,01
